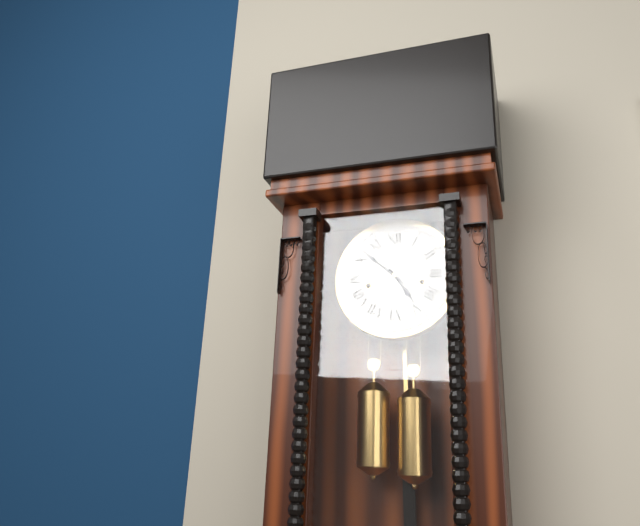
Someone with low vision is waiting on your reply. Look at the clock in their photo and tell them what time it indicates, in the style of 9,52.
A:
4,52
